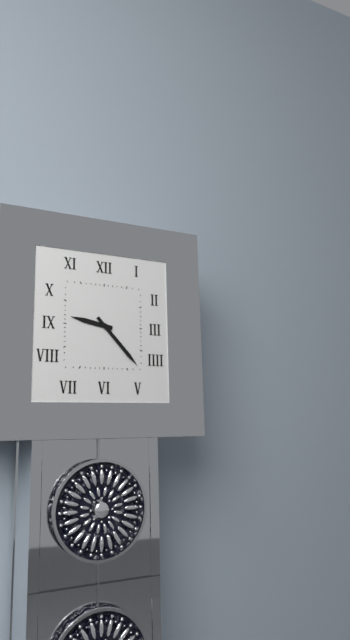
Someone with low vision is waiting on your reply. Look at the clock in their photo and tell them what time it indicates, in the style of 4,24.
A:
9,23
